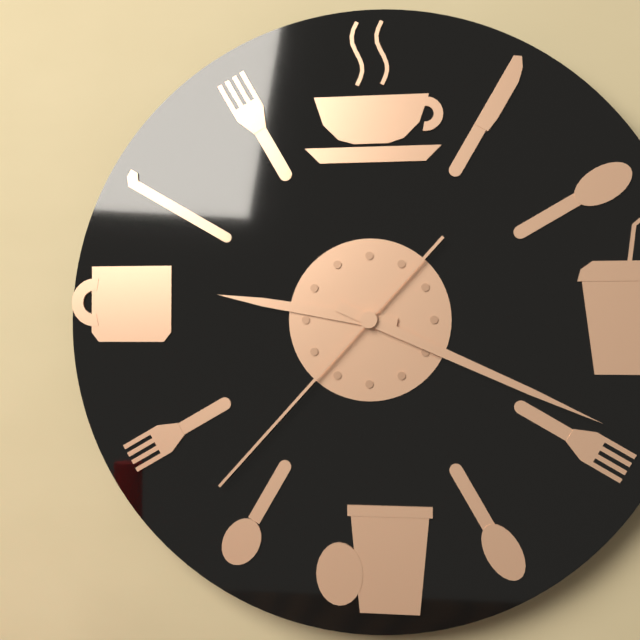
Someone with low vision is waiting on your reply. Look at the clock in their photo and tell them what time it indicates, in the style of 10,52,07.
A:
9,19,37
